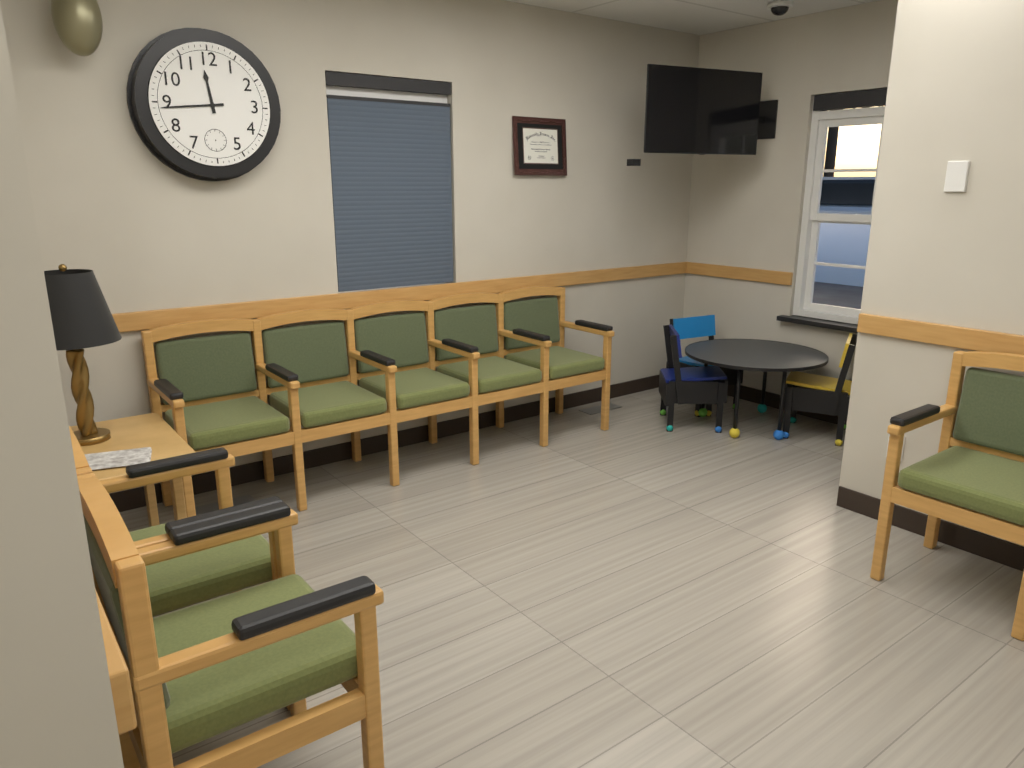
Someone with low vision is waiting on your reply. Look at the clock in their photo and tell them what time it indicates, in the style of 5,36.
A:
11,44
